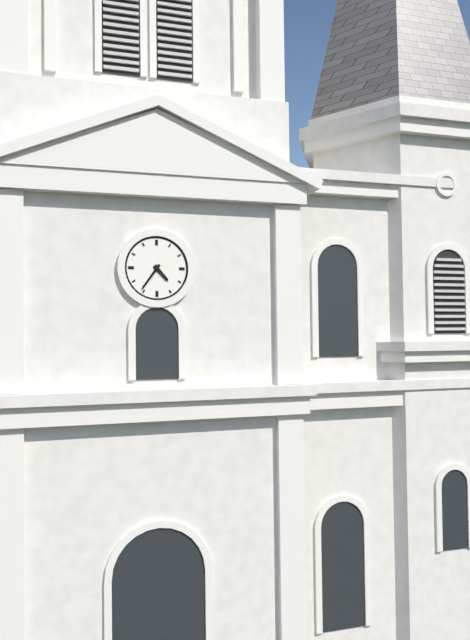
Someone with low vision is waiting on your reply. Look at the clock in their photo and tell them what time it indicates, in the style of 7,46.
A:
4,36
